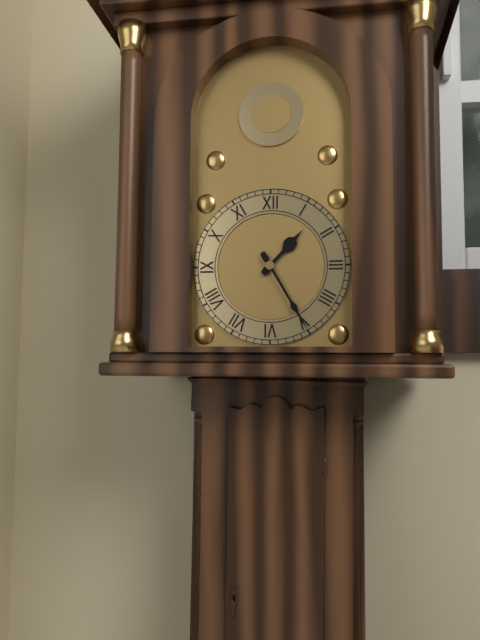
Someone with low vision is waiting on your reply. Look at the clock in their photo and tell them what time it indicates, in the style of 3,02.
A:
1,25
